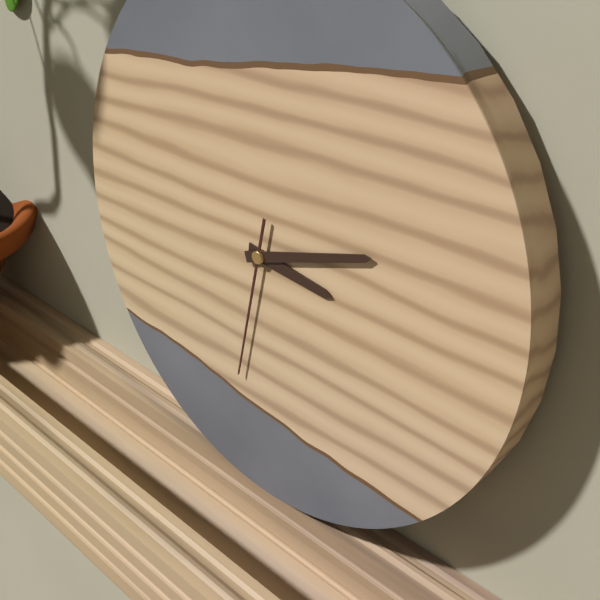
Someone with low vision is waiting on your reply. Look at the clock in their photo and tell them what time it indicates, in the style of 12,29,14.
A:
3,12,32
